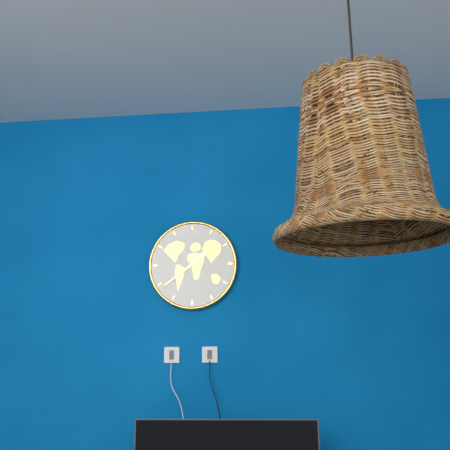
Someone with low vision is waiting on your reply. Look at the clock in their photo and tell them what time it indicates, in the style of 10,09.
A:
1,39
